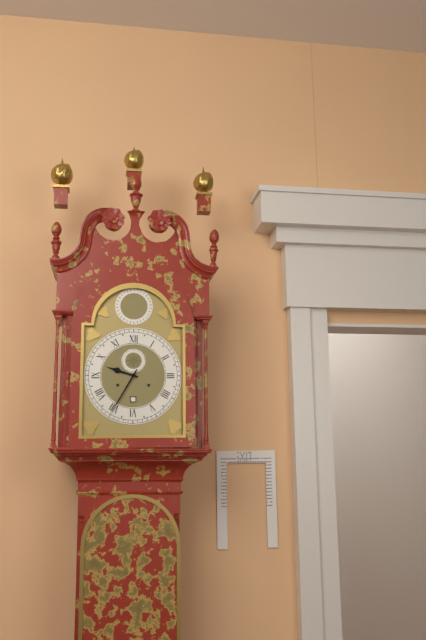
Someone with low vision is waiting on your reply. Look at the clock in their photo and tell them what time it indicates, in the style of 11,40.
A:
9,35
